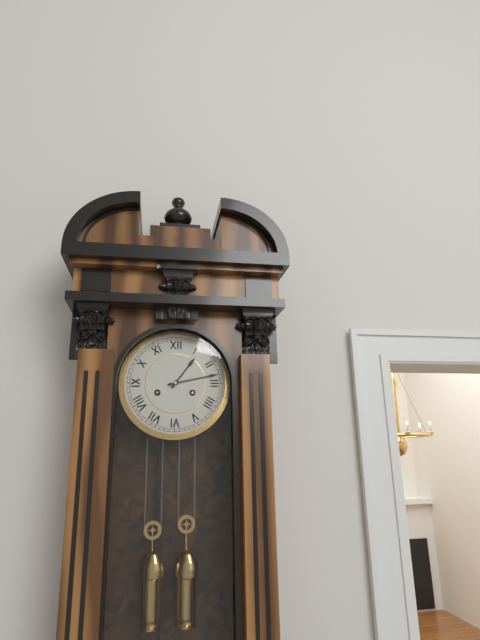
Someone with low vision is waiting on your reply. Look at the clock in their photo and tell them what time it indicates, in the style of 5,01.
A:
1,13
